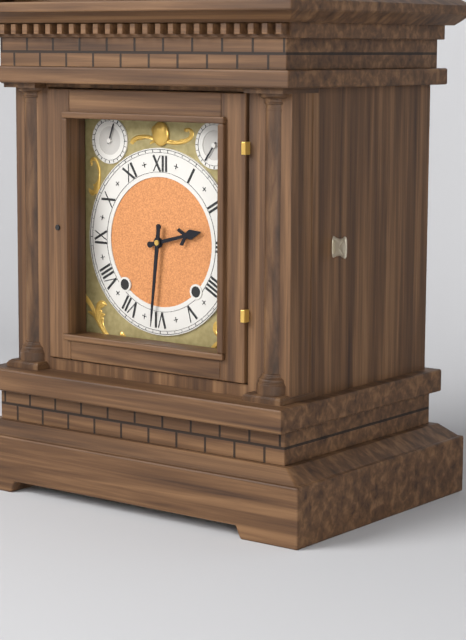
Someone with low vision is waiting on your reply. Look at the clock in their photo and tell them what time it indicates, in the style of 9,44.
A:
2,31
